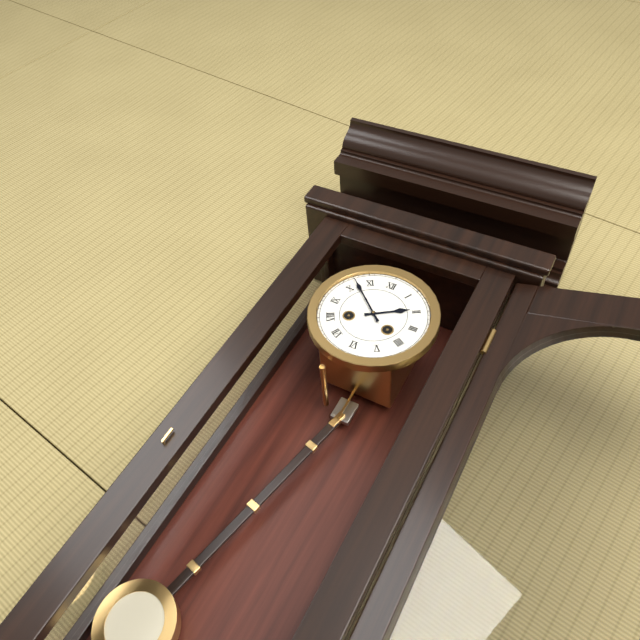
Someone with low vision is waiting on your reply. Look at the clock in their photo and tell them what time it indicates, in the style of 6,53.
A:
1,52
